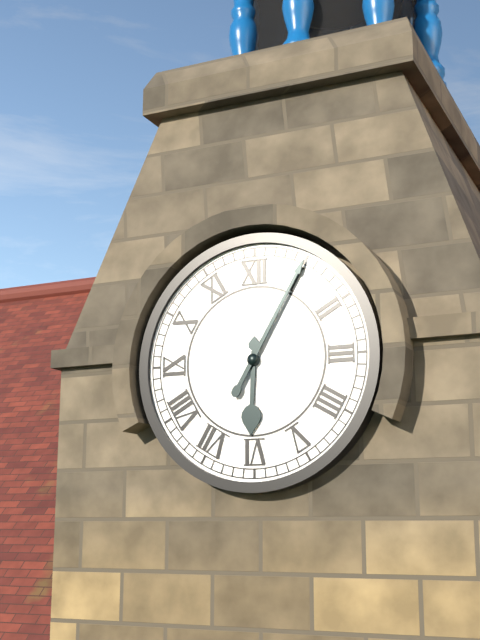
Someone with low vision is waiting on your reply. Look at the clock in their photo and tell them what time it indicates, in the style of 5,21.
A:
6,05
